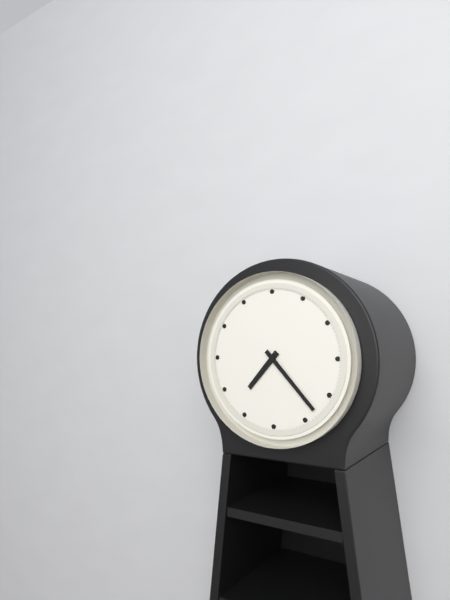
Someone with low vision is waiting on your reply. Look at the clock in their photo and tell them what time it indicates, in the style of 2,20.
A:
7,23
